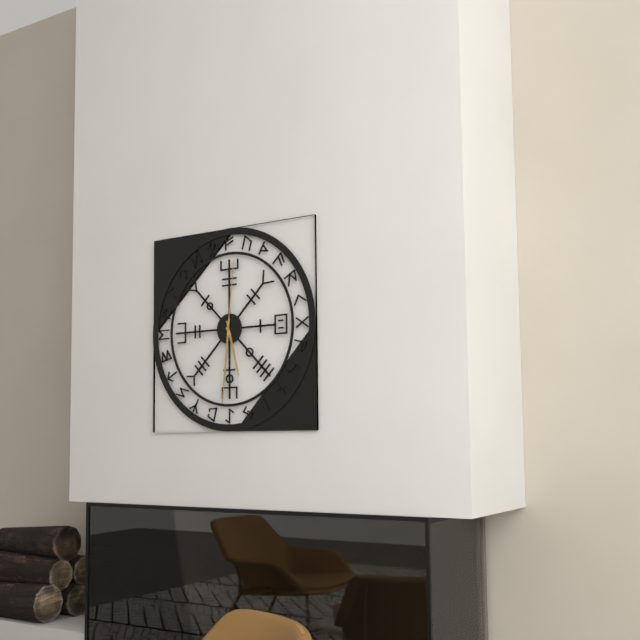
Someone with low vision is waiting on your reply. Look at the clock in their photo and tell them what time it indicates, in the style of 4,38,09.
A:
5,31,01
